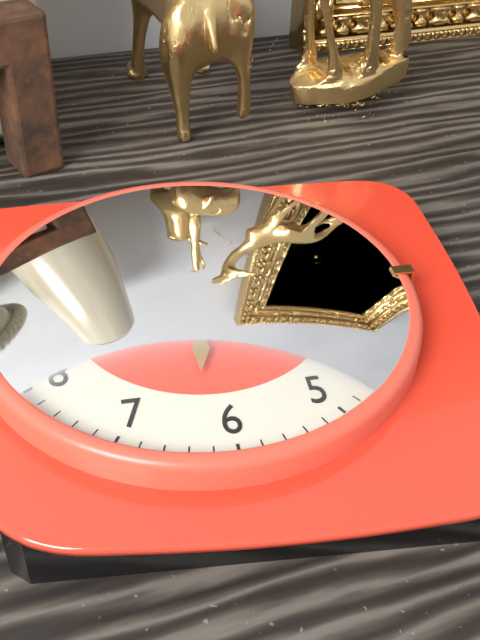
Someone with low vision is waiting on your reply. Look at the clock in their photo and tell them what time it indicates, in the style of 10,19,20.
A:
6,17,15
